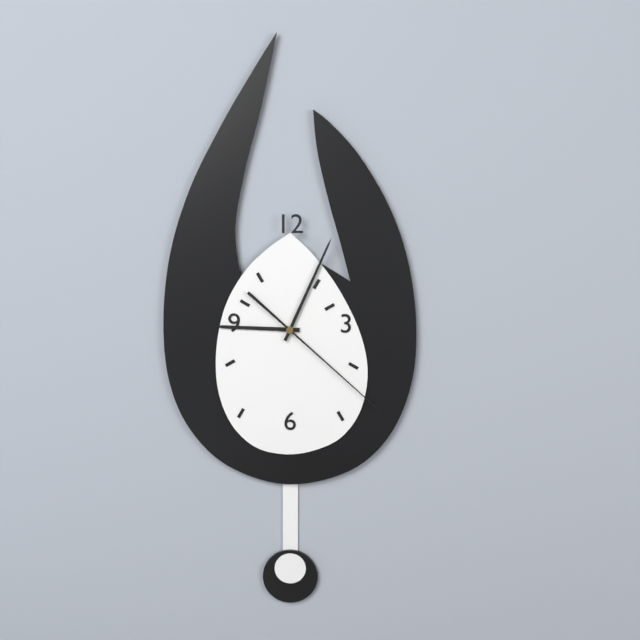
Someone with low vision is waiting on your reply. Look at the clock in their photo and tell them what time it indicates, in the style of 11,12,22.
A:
9,04,22
